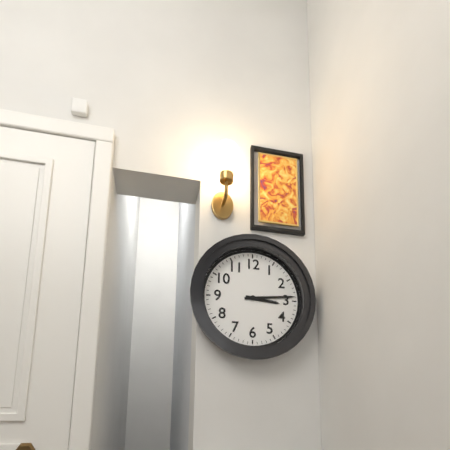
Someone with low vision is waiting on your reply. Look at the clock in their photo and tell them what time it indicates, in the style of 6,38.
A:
3,14
